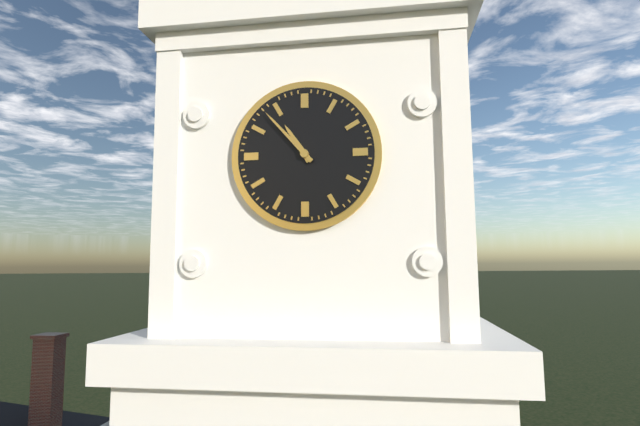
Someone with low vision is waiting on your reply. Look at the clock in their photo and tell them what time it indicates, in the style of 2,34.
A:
10,53
